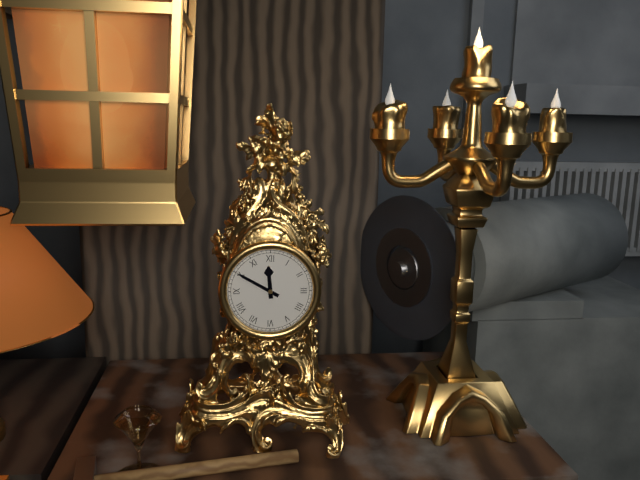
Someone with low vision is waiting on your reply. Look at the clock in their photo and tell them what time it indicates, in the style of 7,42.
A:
11,50
